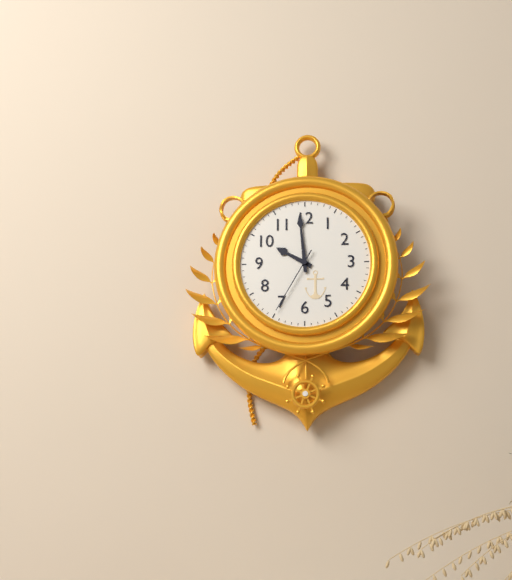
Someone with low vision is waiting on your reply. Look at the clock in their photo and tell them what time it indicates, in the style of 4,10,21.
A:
9,59,35
